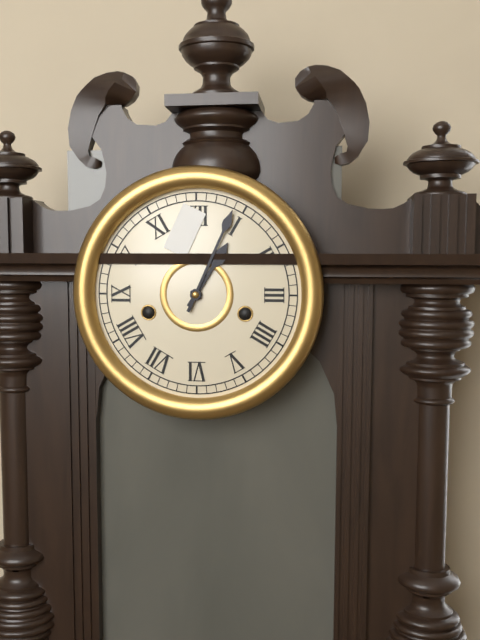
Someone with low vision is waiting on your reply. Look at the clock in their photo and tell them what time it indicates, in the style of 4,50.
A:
1,04
